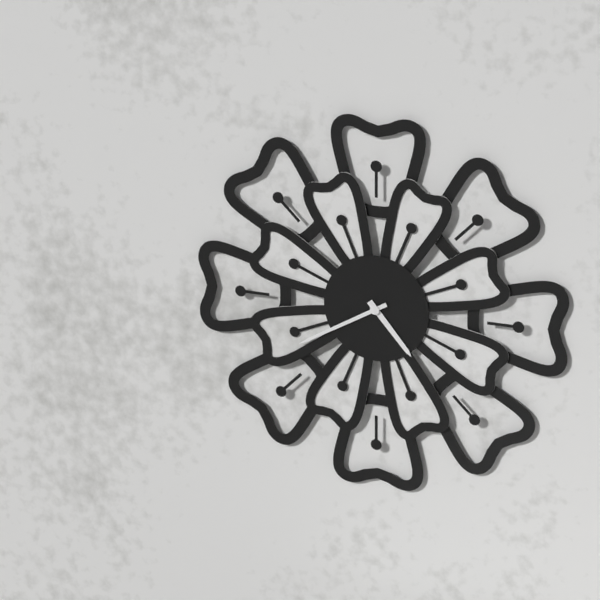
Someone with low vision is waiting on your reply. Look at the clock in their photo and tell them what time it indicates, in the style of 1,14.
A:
4,40
